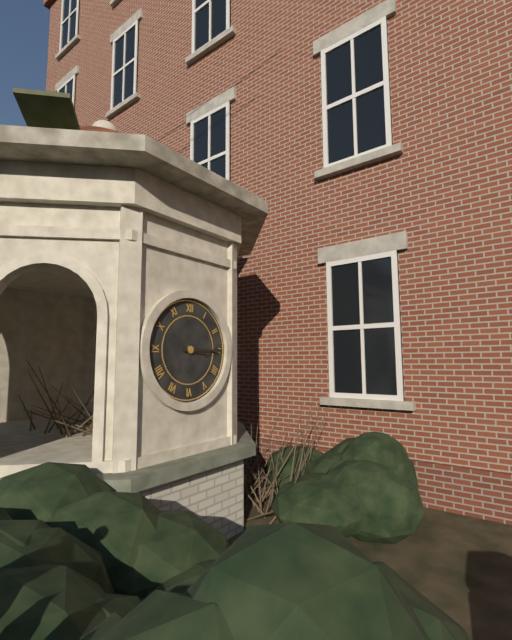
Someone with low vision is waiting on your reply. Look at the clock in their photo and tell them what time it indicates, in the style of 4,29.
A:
3,15
